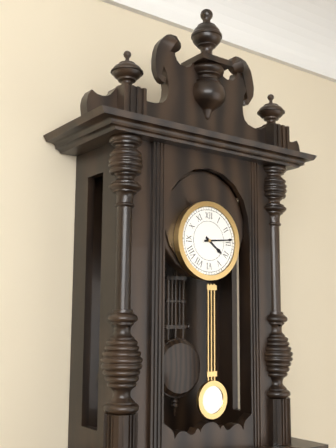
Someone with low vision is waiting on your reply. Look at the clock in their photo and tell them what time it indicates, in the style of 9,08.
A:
4,14
